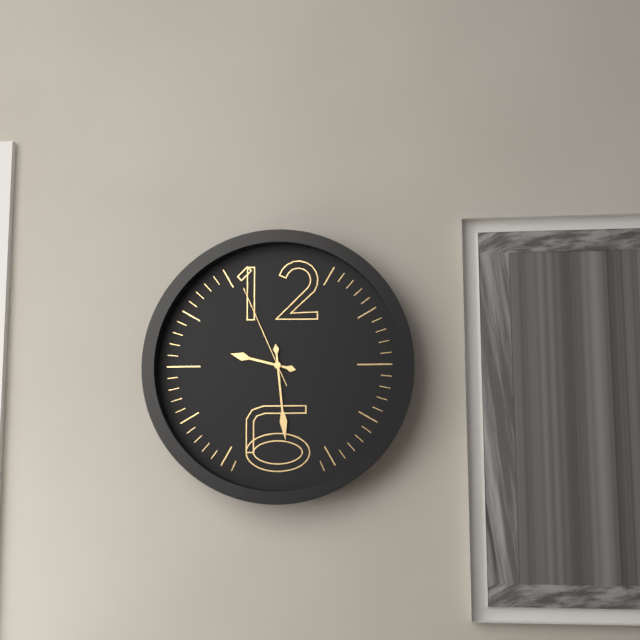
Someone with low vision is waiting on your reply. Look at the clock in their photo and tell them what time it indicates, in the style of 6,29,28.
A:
9,29,56
